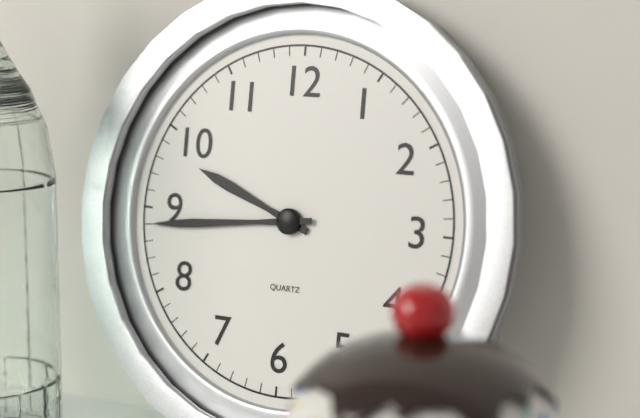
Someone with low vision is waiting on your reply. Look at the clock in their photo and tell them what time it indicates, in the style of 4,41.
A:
9,44
